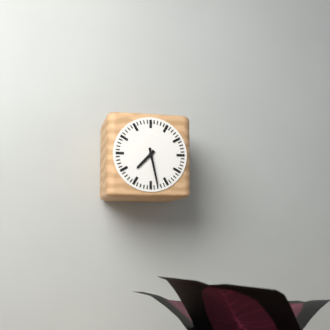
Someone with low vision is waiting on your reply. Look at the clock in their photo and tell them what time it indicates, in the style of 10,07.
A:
7,28
